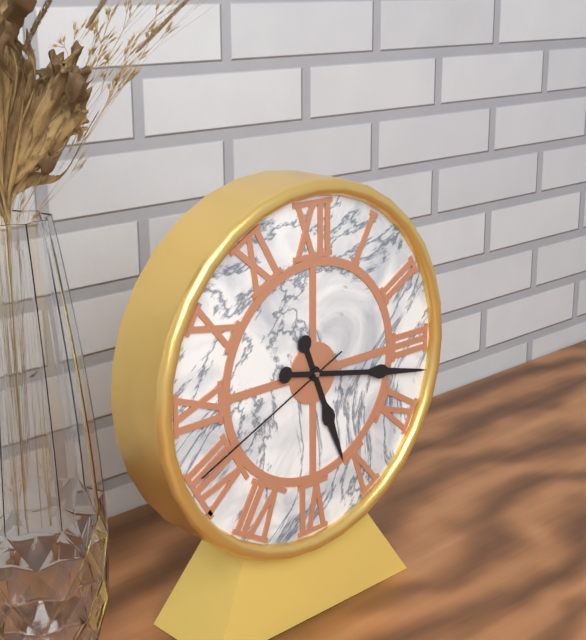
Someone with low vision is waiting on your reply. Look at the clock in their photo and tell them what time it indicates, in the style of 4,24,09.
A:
5,17,41
